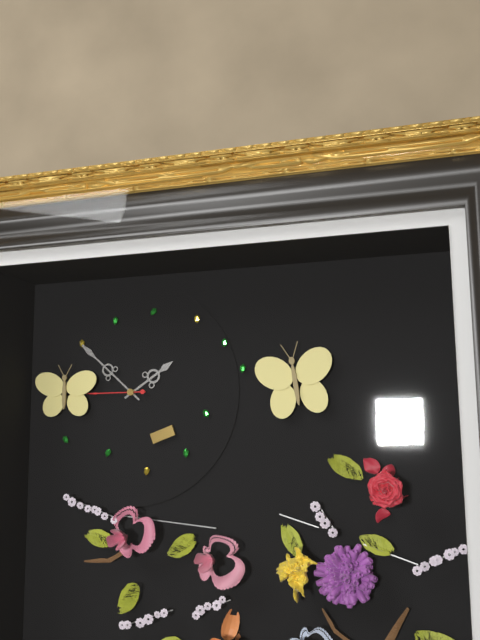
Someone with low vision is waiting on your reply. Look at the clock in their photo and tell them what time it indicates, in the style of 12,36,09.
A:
1,52,45
